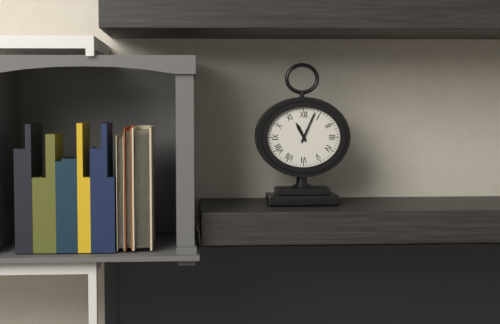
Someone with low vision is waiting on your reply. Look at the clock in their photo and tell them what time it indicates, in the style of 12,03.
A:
11,04
